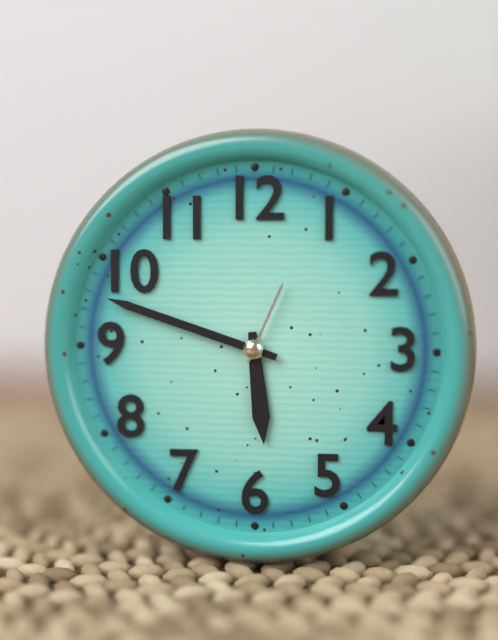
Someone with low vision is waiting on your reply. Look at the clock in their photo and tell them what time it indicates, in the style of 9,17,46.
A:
5,48,04
